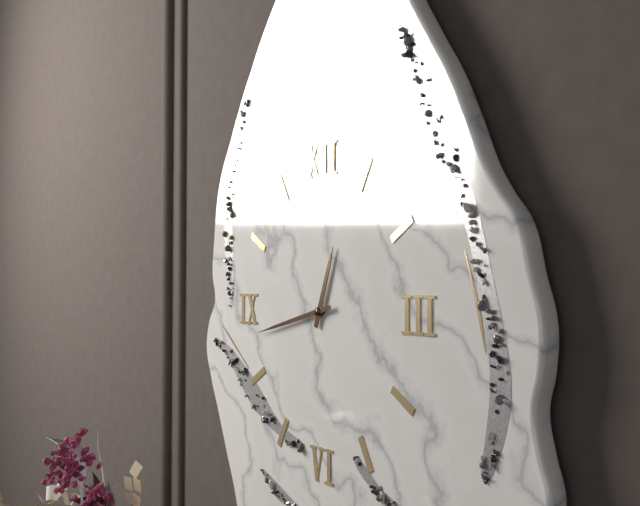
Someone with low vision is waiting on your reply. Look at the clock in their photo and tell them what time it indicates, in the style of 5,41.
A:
12,43
